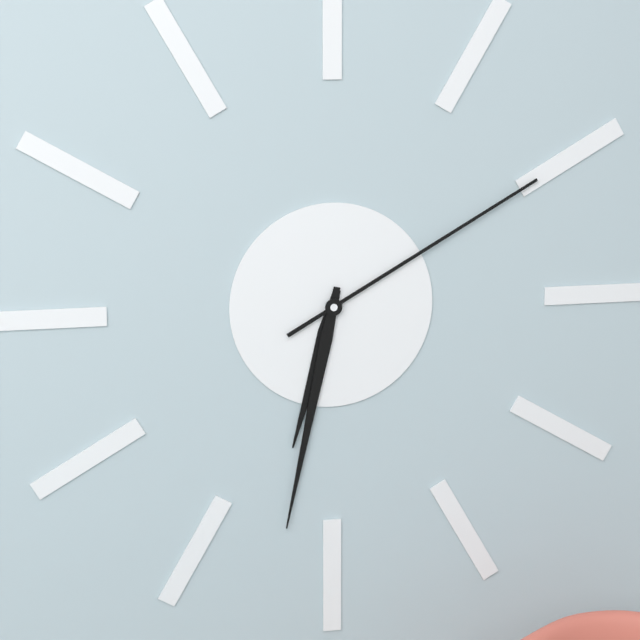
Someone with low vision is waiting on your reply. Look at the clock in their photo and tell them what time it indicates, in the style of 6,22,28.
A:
6,32,10
